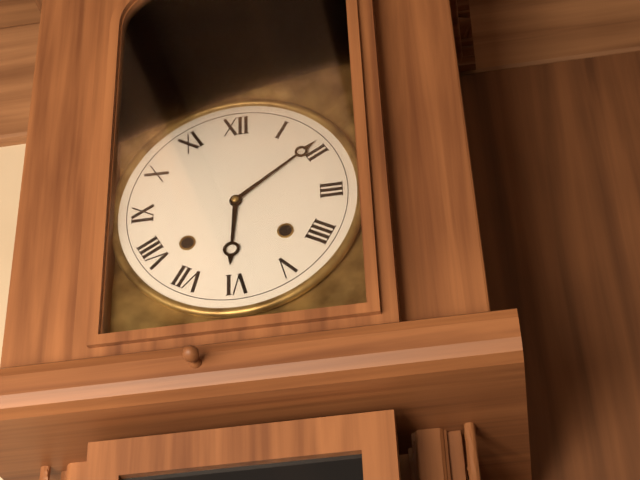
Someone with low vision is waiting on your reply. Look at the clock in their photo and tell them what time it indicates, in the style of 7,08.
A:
6,09
